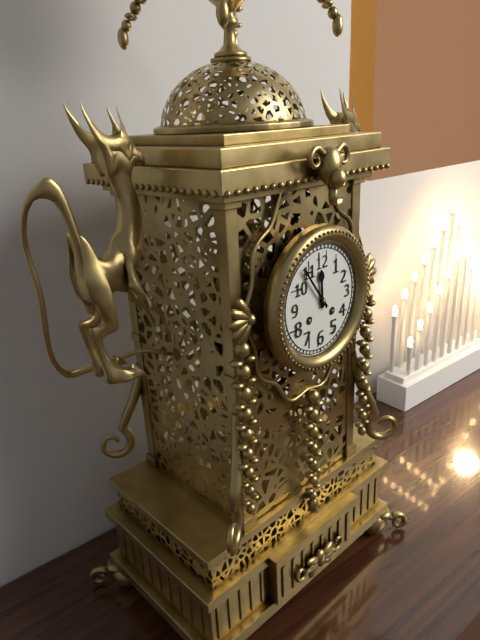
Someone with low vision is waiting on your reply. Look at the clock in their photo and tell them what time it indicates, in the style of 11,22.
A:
11,54
